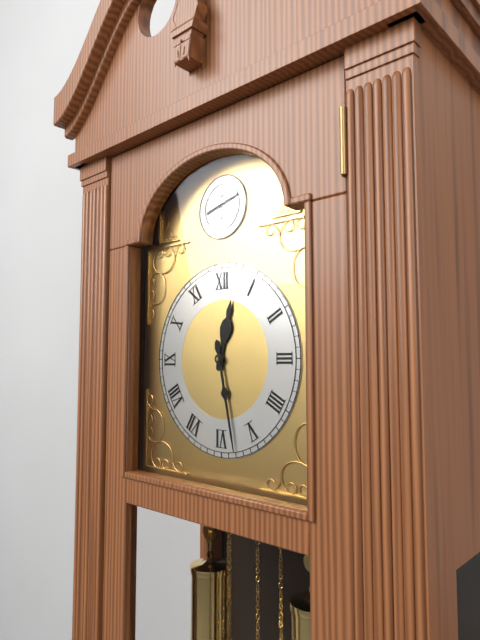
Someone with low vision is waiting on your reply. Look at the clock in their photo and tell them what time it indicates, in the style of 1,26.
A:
12,28
